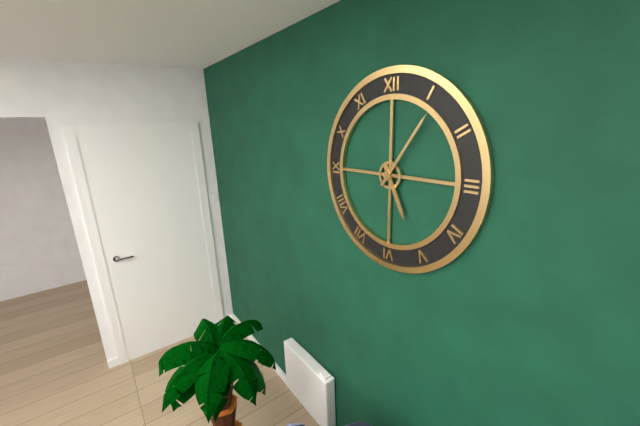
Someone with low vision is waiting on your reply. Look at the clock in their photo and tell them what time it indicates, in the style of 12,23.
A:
5,06
